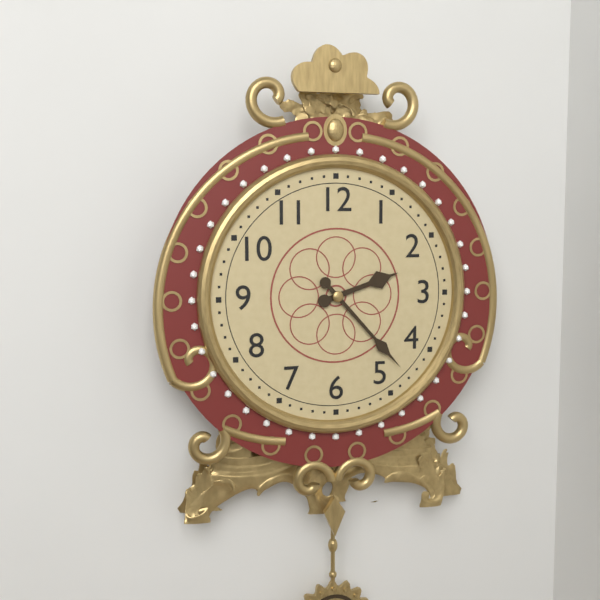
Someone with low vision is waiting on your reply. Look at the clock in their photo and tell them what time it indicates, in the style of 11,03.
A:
2,23
